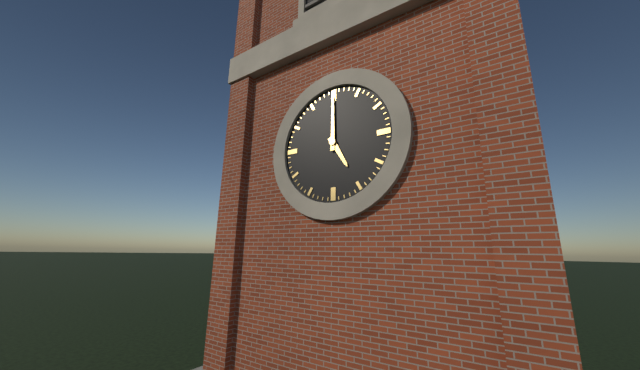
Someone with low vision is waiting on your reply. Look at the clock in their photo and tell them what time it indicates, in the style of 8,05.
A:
5,00
